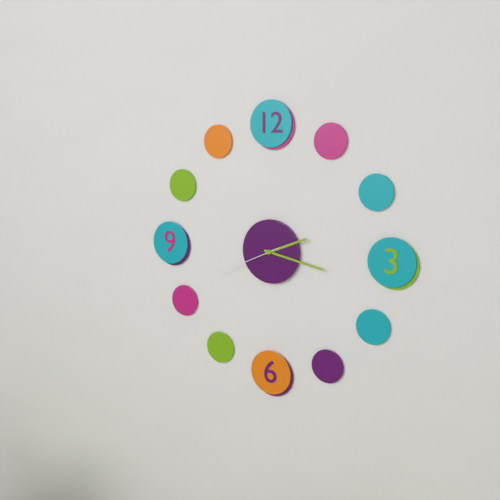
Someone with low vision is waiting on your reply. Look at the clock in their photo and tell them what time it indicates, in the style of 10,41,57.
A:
2,17,41
